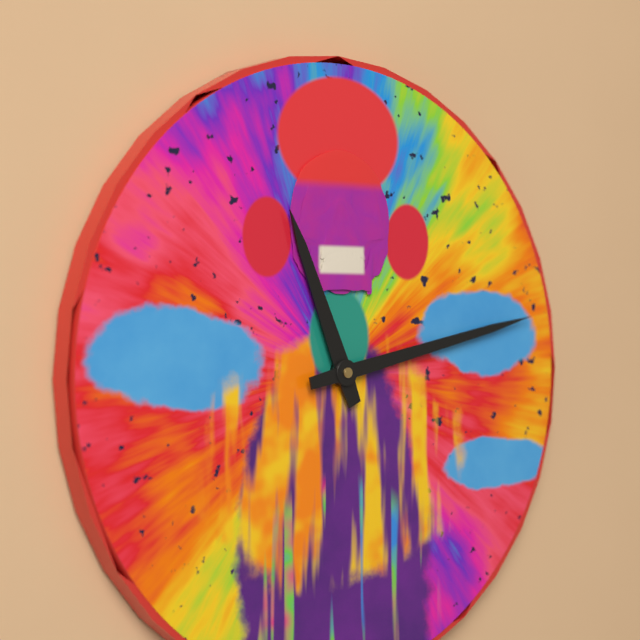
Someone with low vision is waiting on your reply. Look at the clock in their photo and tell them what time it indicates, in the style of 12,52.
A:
11,13
